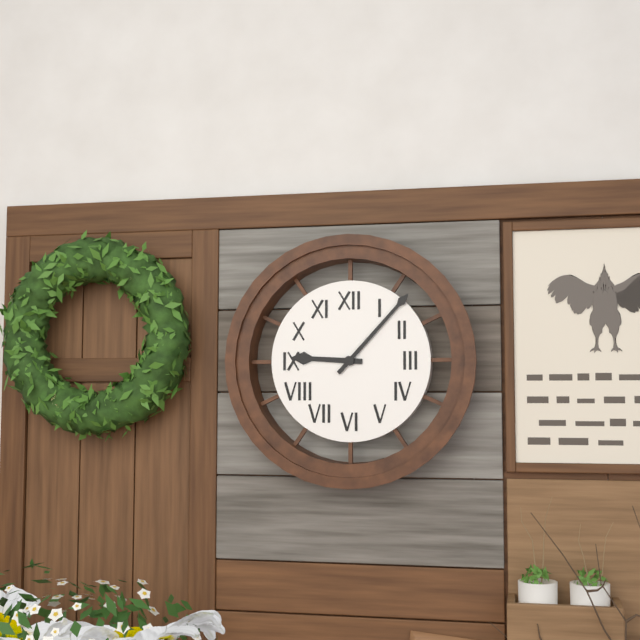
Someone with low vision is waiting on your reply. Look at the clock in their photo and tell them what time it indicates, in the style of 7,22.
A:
9,07
